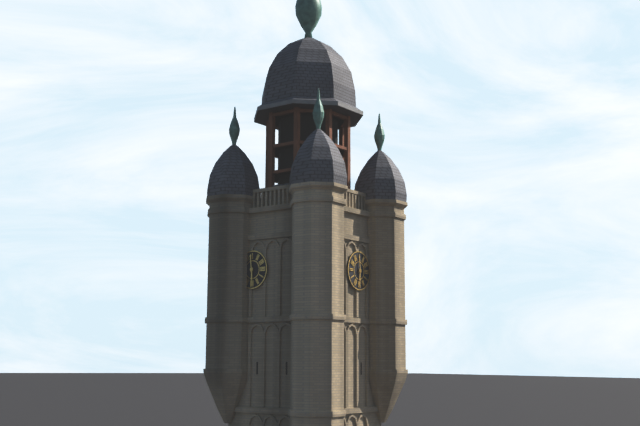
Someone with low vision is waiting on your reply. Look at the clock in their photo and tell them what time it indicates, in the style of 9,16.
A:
5,59
